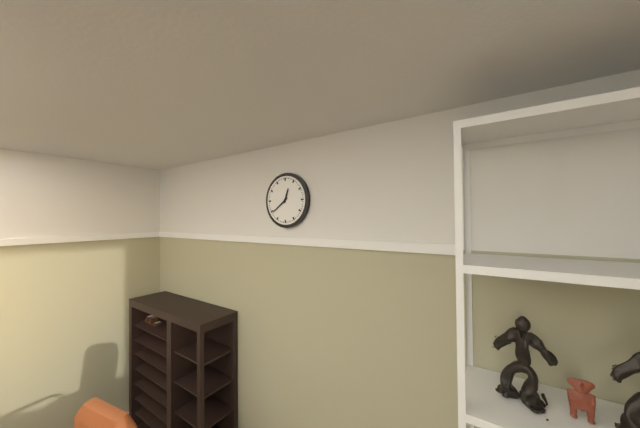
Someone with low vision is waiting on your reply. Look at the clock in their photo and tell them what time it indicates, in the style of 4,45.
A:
12,39
